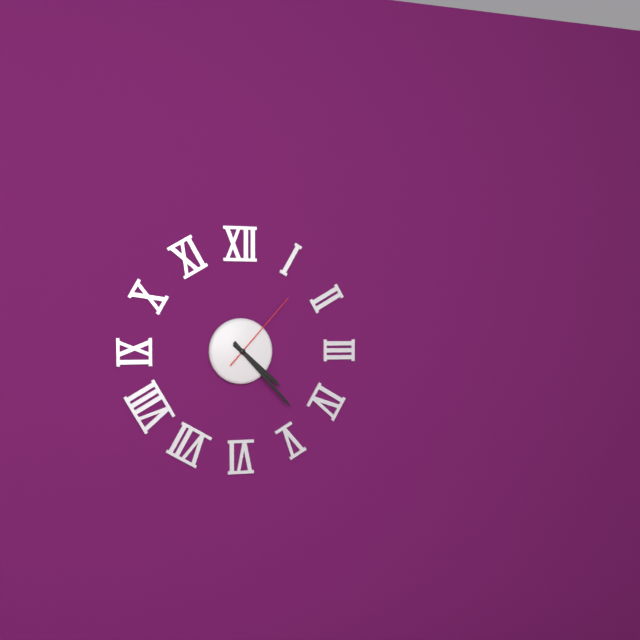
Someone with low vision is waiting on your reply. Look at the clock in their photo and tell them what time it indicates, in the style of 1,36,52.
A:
4,23,07
